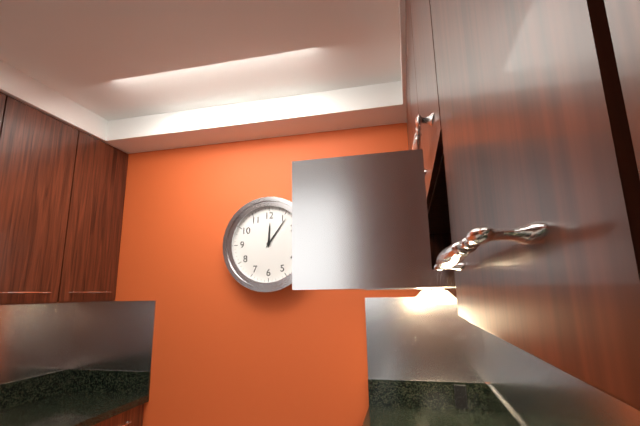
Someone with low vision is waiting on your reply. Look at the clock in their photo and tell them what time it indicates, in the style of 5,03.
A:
12,06
